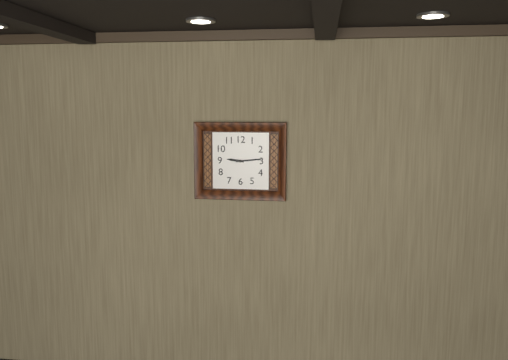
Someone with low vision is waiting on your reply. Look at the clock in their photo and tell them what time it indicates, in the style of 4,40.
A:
9,14
